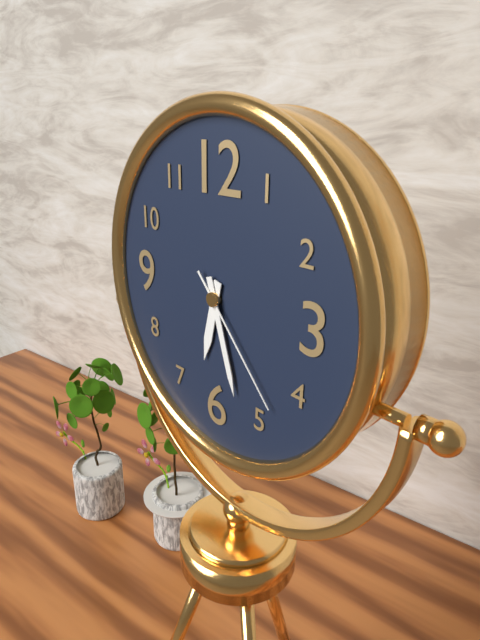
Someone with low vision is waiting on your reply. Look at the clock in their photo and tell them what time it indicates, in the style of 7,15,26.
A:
6,27,23
